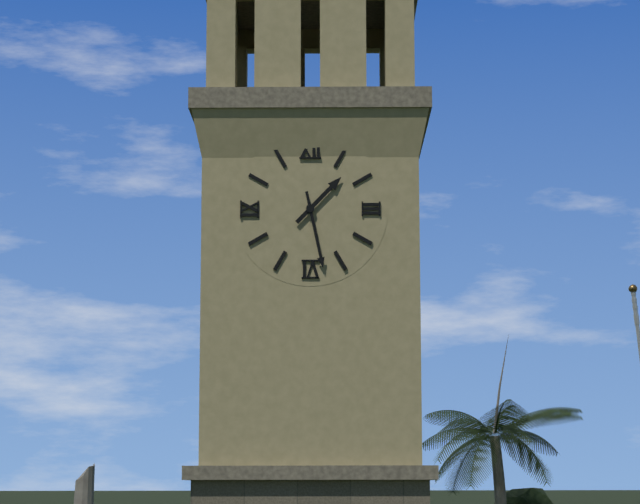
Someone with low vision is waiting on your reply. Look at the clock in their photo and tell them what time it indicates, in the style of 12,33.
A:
1,28
